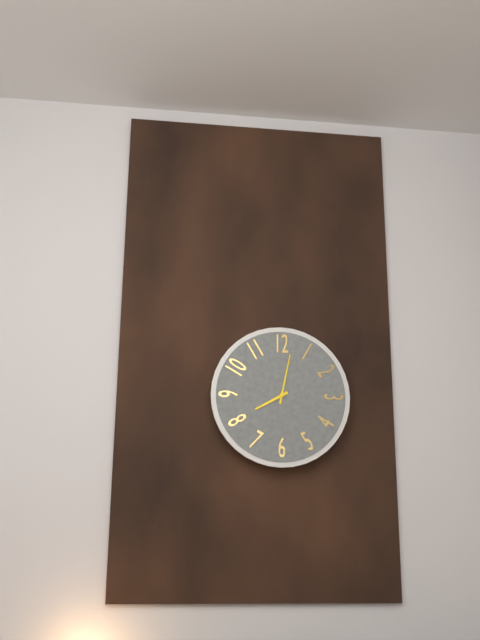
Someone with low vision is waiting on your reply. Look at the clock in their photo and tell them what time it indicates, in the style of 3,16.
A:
8,02
